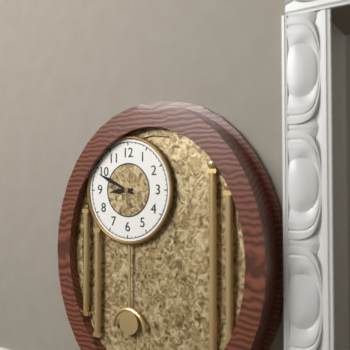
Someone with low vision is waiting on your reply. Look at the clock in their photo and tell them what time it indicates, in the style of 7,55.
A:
8,49
